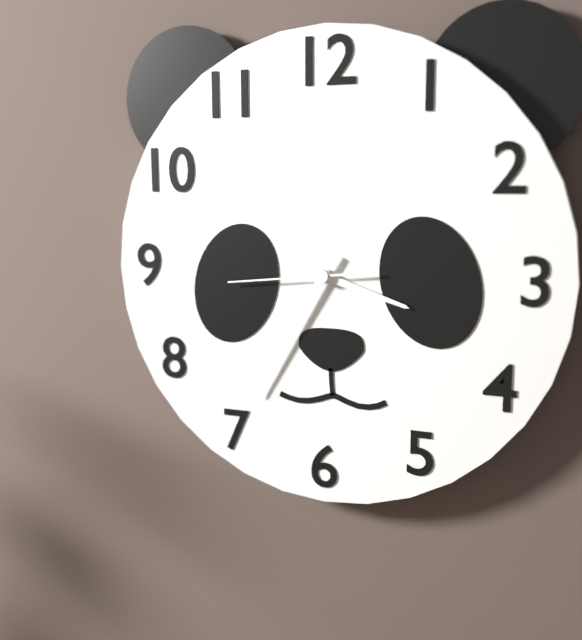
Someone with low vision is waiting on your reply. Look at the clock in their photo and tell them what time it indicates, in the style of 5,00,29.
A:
3,35,44
